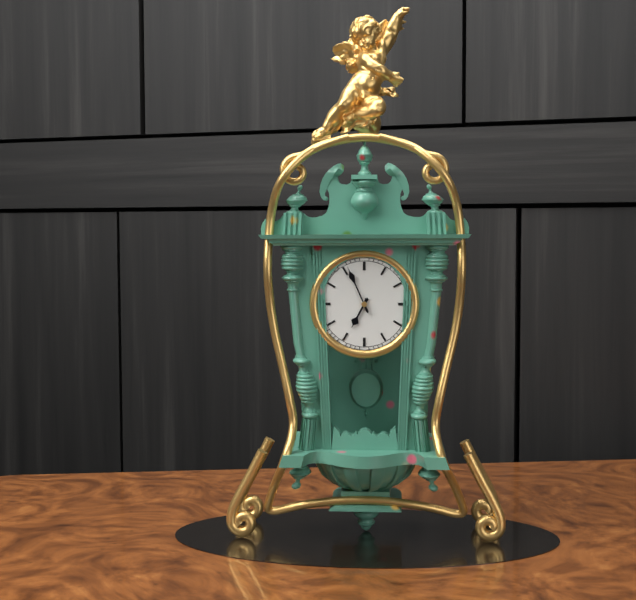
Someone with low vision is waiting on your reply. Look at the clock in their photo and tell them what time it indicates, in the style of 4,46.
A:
6,56
